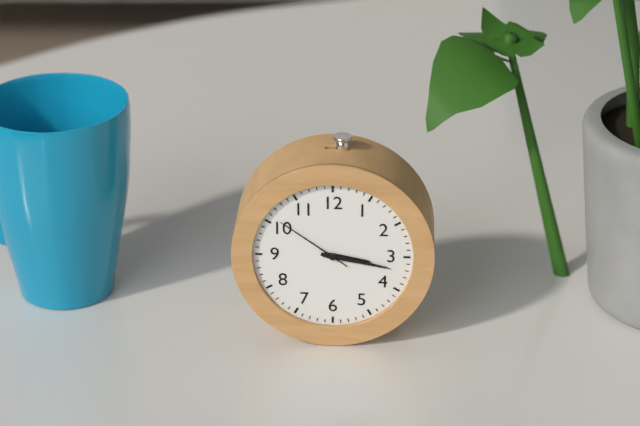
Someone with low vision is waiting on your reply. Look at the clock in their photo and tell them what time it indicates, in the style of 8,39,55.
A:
3,17,51
